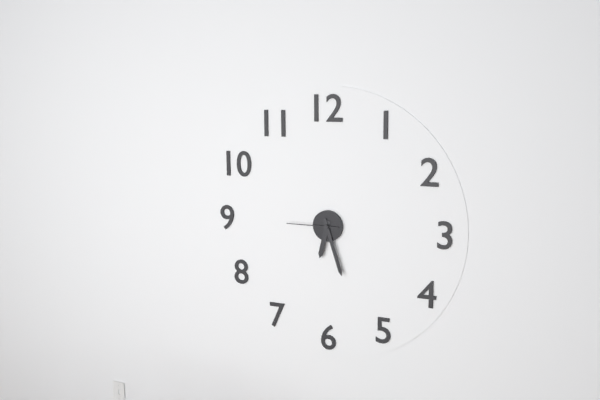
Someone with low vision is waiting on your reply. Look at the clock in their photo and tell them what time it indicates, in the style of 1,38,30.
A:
6,27,45
